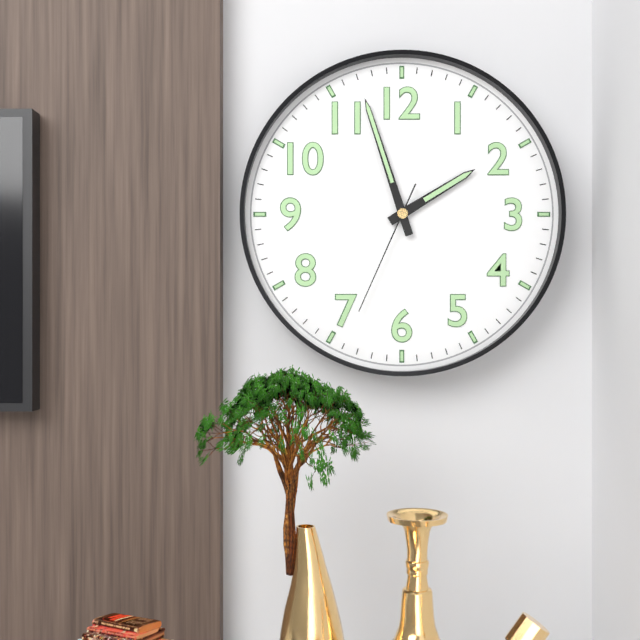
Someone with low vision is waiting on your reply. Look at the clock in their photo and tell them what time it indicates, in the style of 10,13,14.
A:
1,57,34
